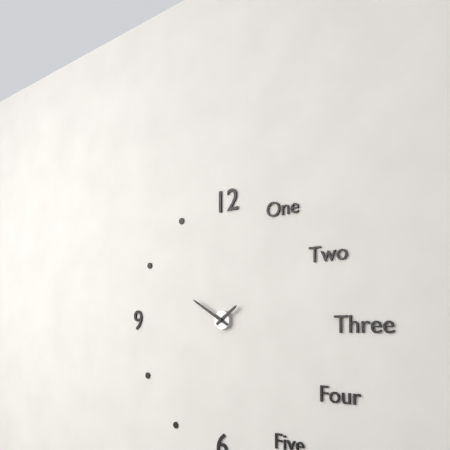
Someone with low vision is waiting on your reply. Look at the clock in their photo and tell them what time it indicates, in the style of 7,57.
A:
1,50
